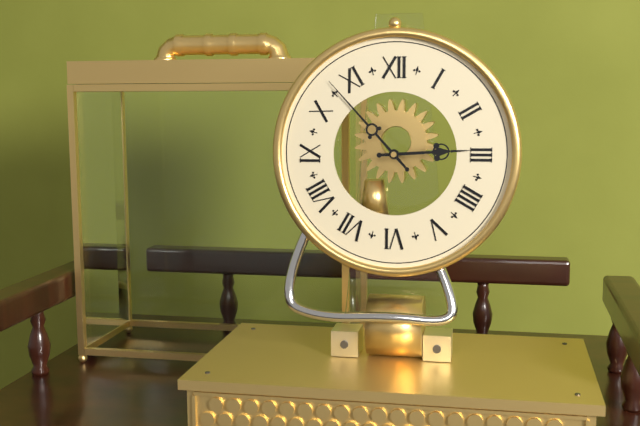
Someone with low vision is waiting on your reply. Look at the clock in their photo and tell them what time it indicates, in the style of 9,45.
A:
2,53
